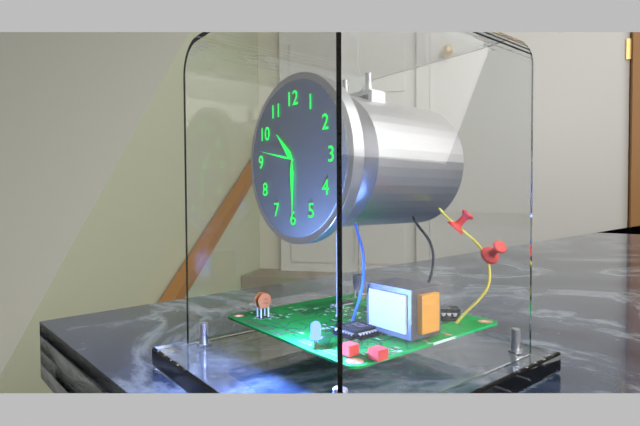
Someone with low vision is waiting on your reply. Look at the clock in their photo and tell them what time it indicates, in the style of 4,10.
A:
10,30
